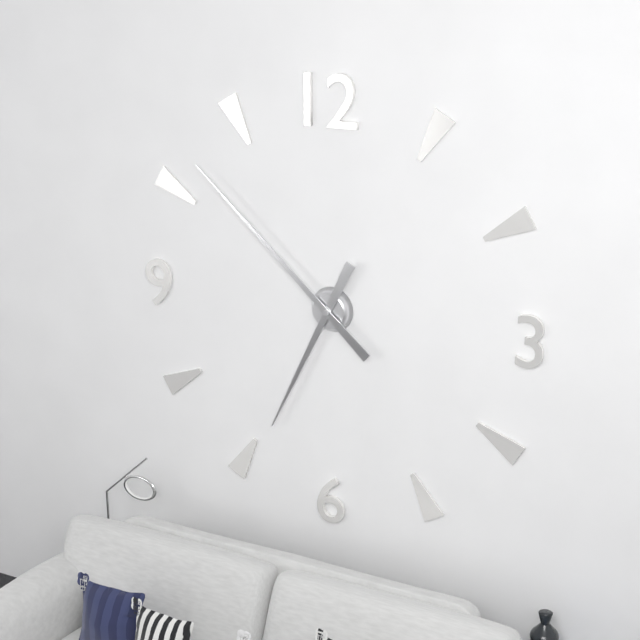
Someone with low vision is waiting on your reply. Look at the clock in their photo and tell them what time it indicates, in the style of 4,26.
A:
6,52
